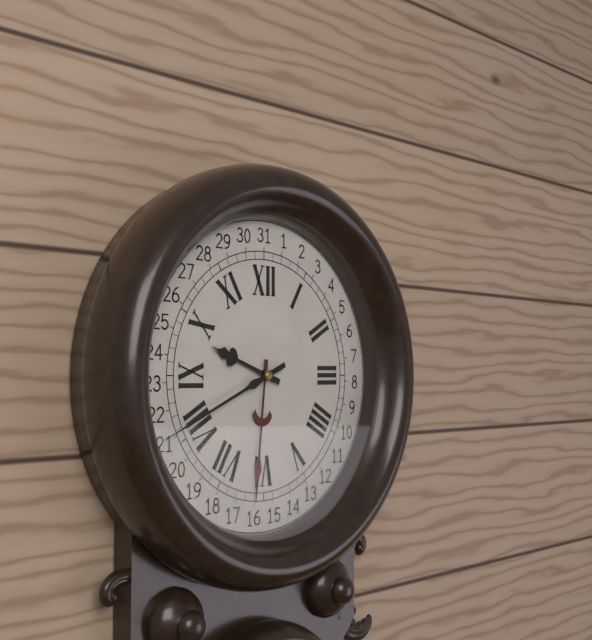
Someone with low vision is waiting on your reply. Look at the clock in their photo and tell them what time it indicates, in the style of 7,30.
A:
9,41
